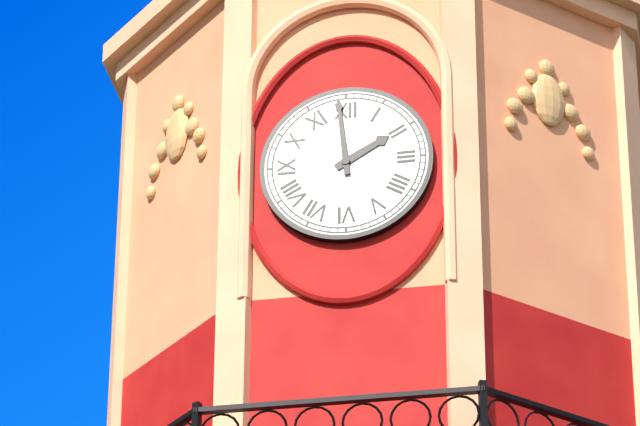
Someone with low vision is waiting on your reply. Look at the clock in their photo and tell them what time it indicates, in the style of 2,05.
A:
1,59
